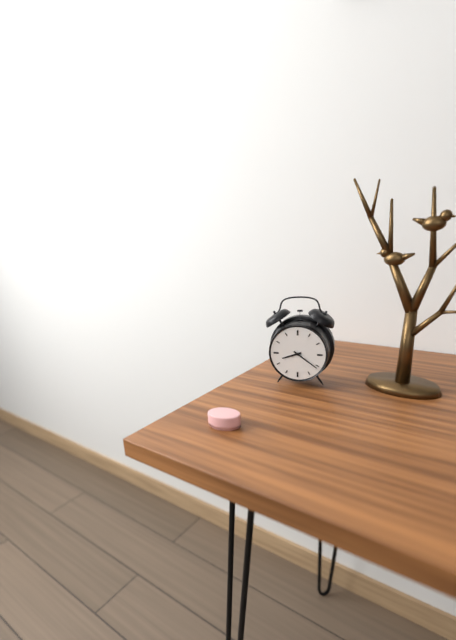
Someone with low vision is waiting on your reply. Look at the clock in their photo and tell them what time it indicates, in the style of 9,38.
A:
8,21
